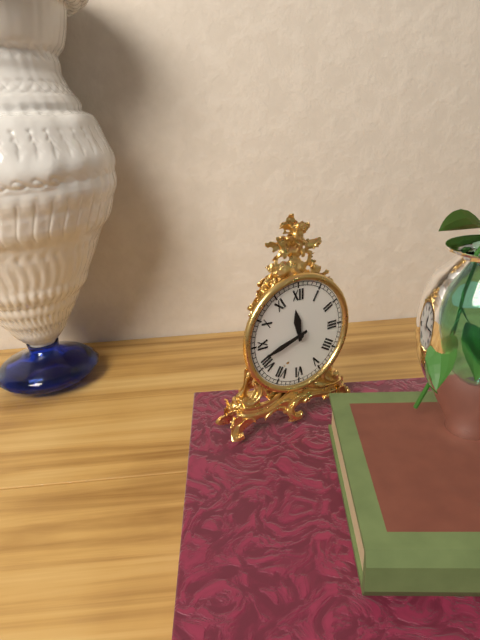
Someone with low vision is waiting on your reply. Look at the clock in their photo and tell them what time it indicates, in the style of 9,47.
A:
11,42
